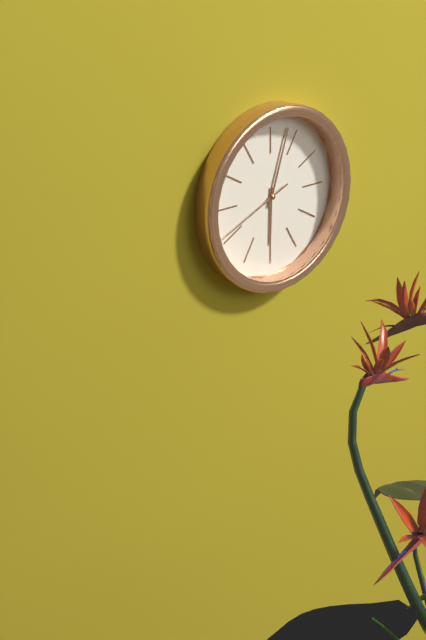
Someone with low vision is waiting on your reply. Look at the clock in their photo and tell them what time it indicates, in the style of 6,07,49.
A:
6,03,41
